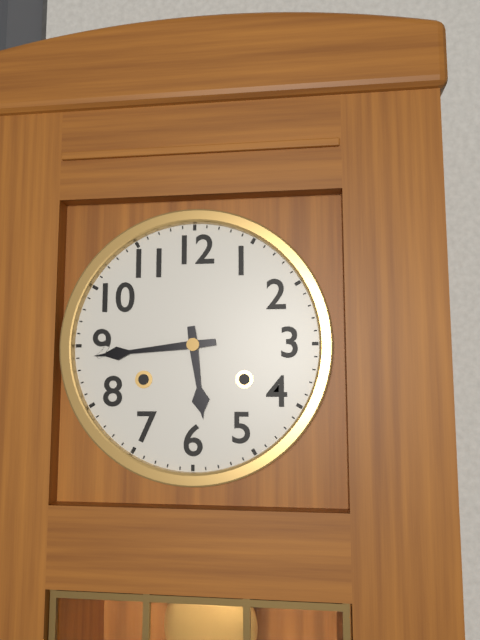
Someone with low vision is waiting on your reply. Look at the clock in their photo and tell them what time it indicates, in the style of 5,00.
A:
5,44
